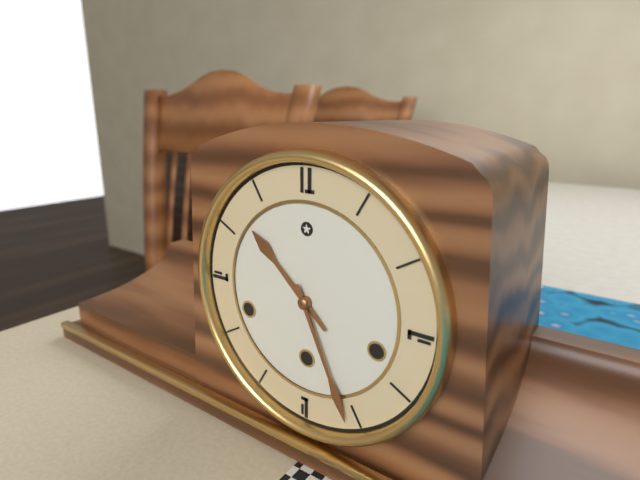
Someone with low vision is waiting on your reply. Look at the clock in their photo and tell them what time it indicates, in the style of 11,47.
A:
10,26
